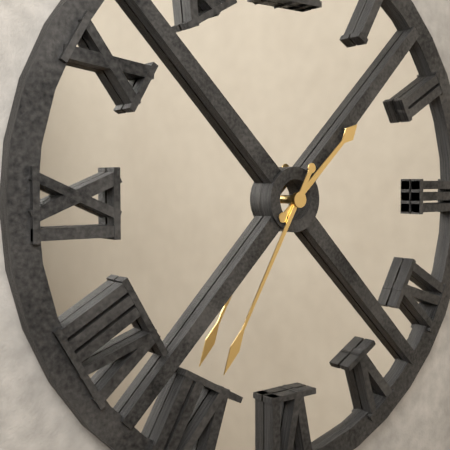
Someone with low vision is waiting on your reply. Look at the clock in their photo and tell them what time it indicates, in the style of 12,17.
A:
1,35
